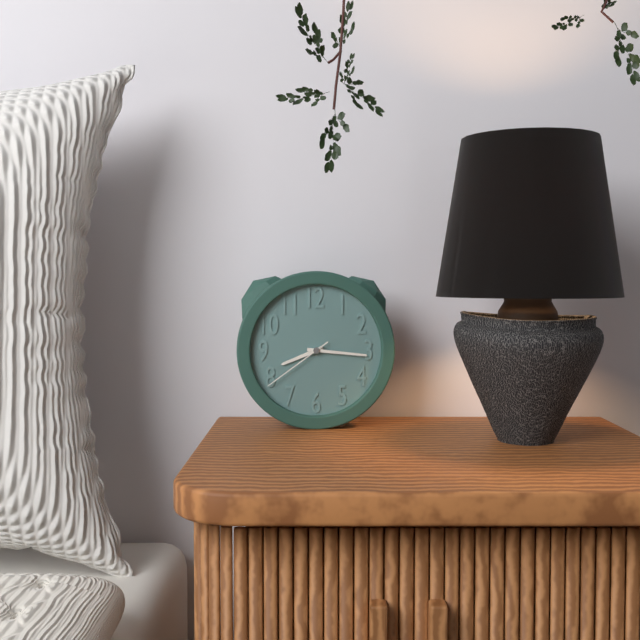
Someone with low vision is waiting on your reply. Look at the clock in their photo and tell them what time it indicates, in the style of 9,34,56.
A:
8,16,39
